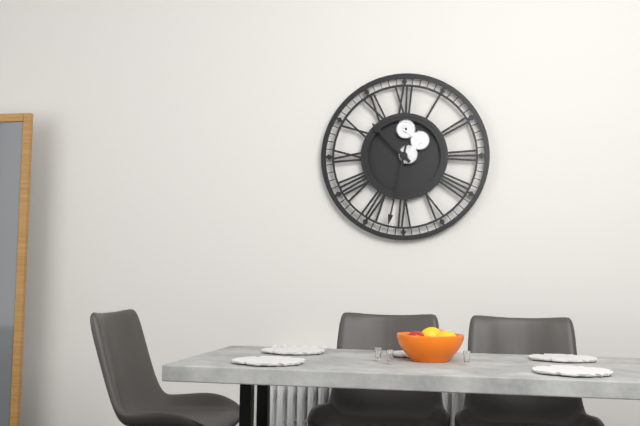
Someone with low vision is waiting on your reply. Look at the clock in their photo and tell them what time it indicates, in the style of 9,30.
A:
10,32
